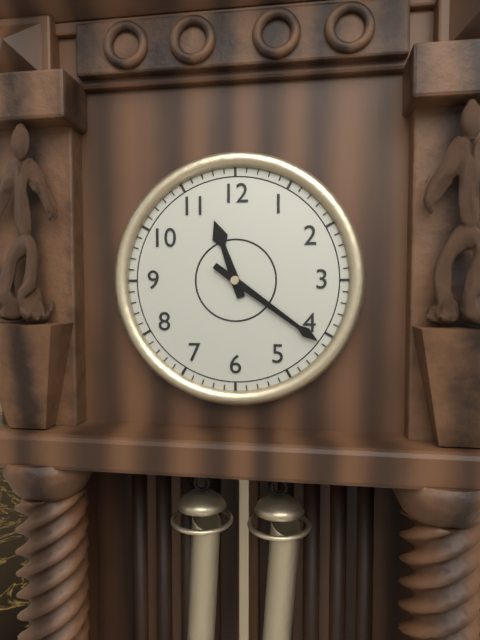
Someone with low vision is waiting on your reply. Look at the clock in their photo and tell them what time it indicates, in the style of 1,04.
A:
11,21
